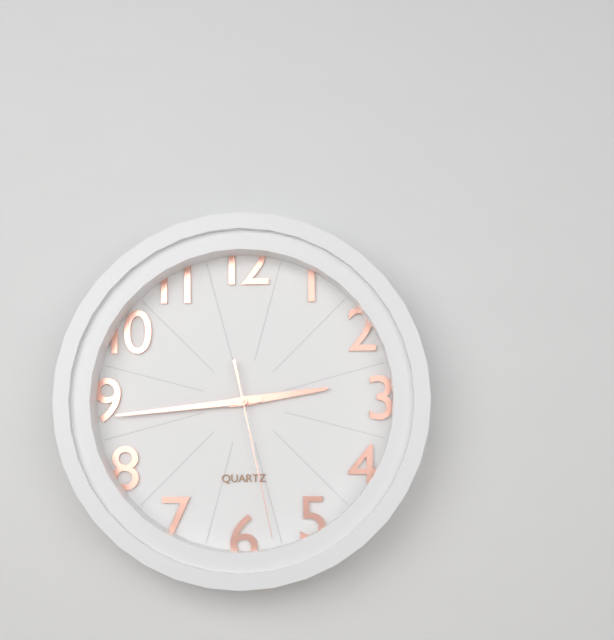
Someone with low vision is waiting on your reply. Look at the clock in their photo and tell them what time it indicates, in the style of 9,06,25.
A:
2,44,28
